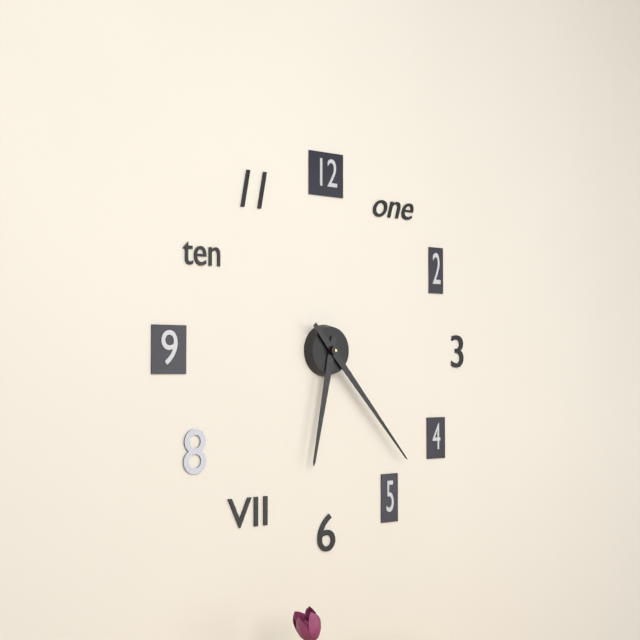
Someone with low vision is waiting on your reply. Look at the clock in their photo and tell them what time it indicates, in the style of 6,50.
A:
6,23
